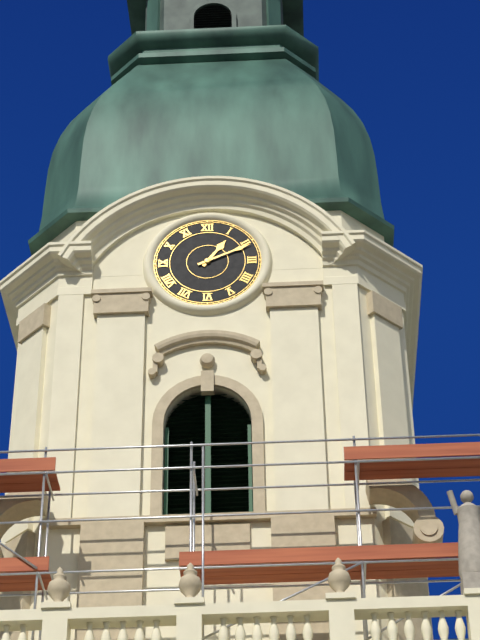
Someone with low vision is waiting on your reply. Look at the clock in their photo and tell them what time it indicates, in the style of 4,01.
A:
1,11
